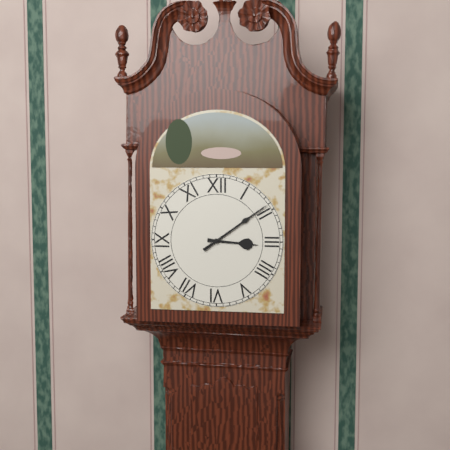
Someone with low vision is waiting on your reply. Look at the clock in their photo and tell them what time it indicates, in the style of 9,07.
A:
3,09
